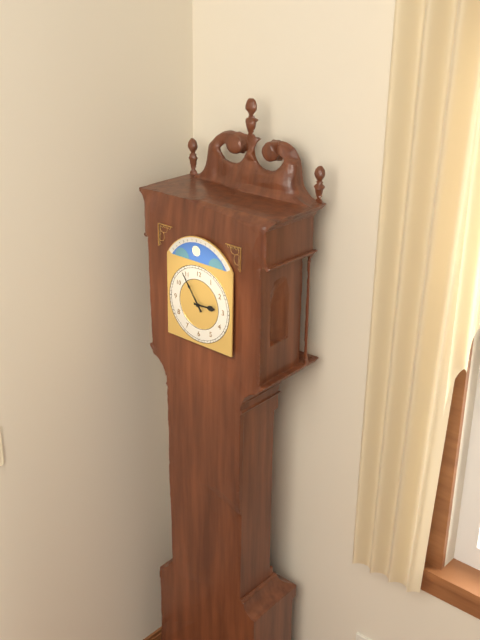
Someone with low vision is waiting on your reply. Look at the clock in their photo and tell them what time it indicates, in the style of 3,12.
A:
2,54
